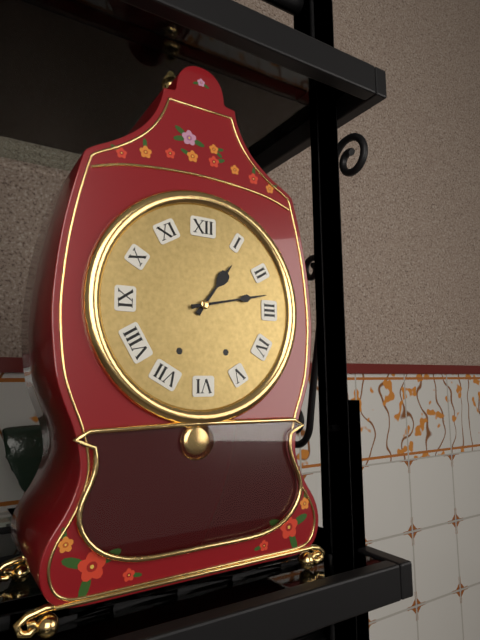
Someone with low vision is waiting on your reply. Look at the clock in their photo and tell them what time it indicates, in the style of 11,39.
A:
1,13
